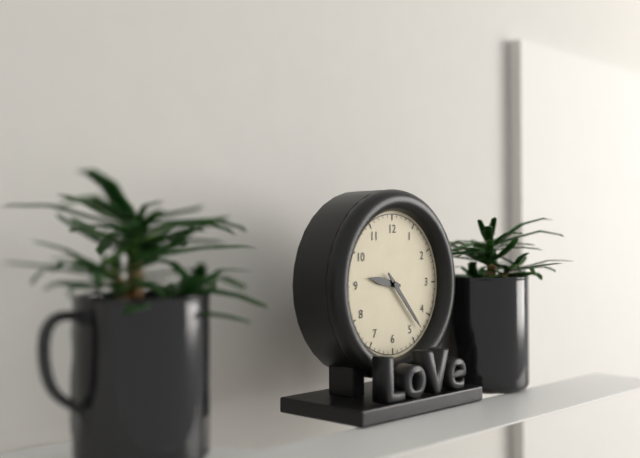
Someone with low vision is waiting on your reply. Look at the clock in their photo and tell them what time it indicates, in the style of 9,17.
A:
9,23
